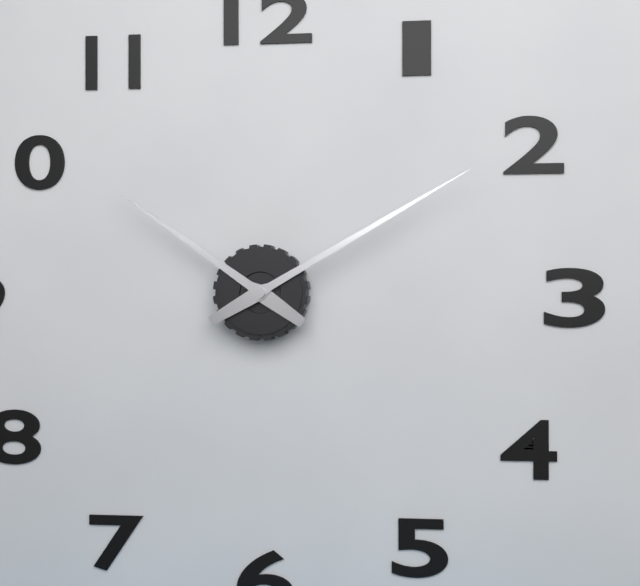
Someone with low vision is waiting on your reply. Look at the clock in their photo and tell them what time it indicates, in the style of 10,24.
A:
10,10
